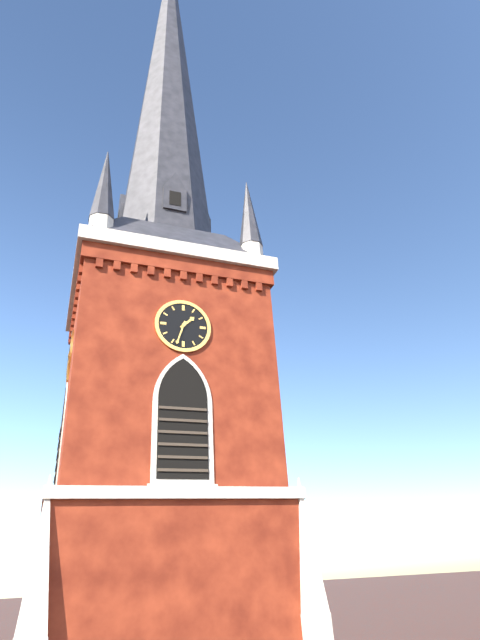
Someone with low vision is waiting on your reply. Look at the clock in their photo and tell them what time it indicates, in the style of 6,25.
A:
1,33
